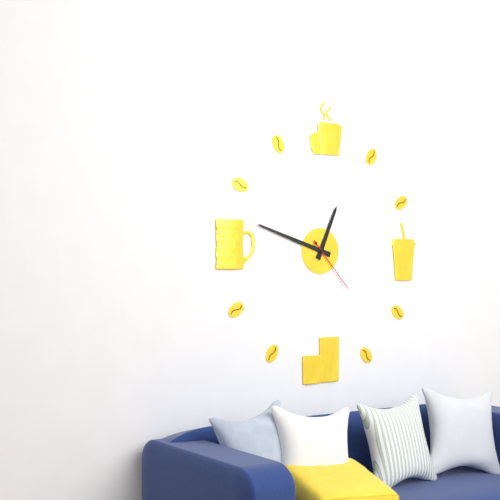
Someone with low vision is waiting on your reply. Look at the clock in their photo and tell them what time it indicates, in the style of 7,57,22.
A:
12,48,23
